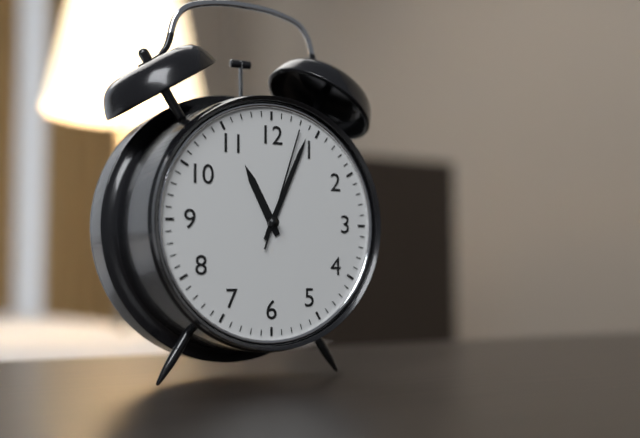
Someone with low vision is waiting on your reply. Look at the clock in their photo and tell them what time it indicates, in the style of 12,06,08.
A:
11,04,03
